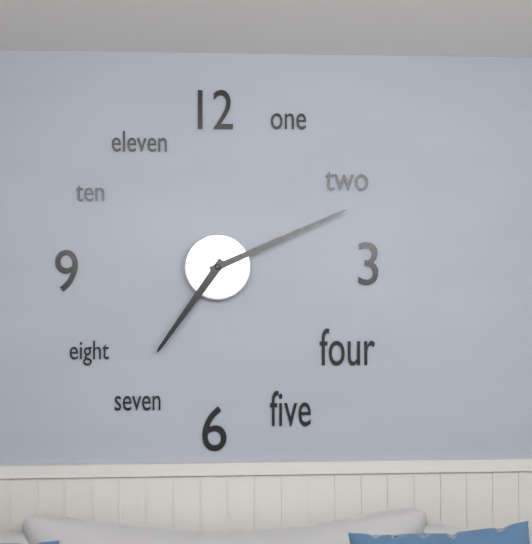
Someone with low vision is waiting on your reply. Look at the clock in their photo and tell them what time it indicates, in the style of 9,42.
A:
7,11
